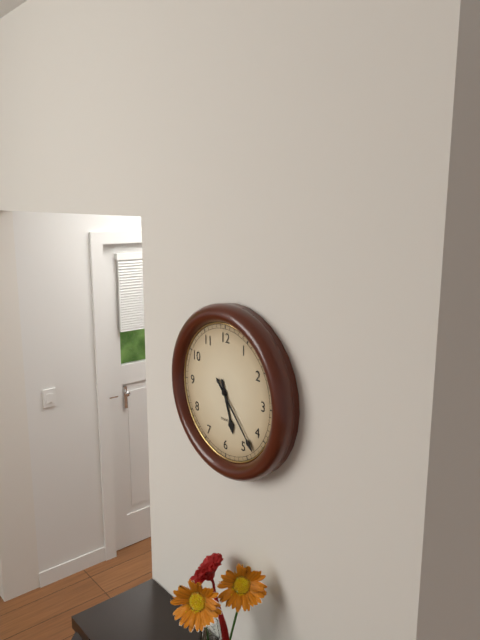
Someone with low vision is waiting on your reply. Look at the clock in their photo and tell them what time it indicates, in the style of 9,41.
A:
5,23
